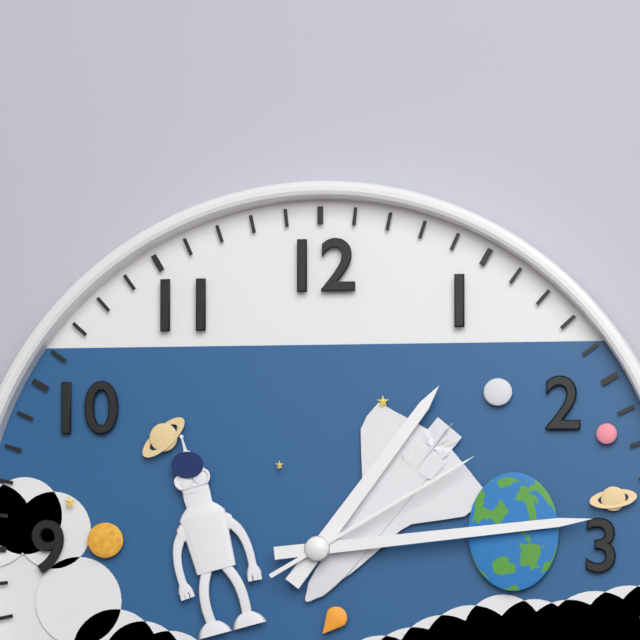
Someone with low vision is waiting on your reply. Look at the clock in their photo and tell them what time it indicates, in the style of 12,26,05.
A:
1,14,10
